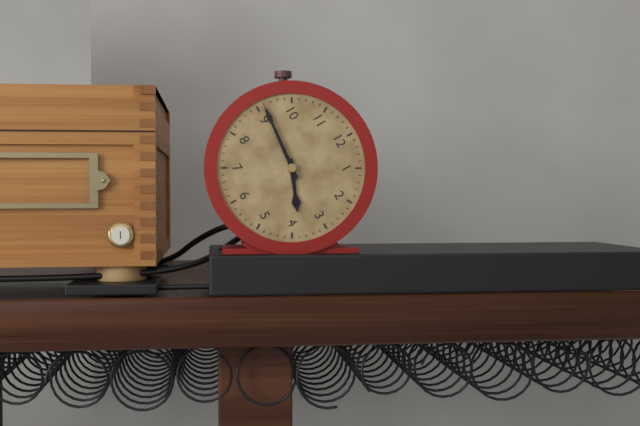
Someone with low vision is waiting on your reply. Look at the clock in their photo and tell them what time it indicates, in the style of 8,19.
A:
3,46
